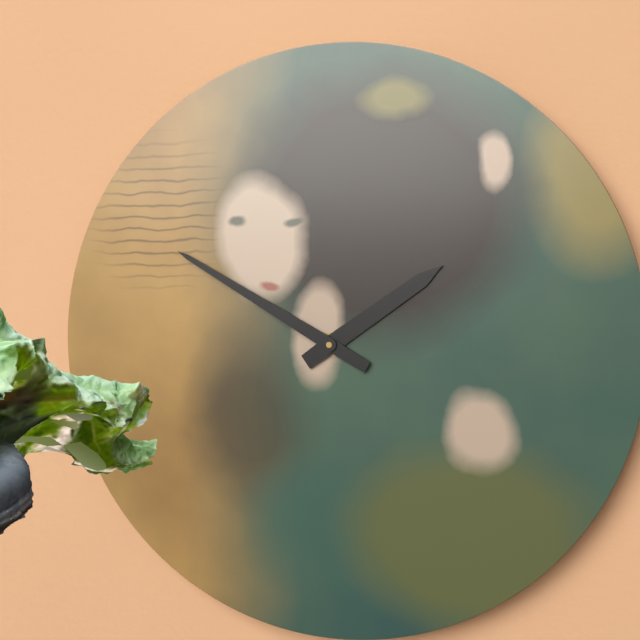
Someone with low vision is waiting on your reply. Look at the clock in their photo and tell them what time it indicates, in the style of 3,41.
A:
1,50
